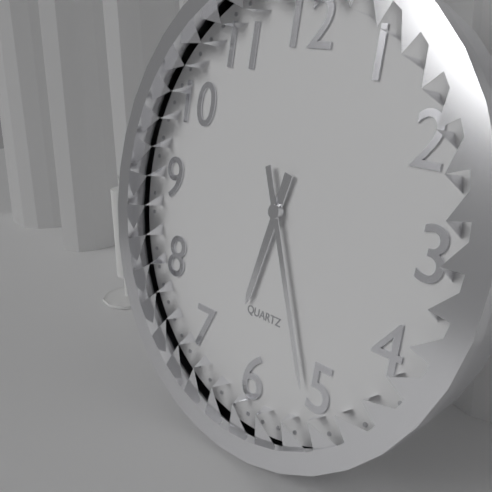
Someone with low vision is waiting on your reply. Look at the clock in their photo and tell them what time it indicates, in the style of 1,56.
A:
6,26
